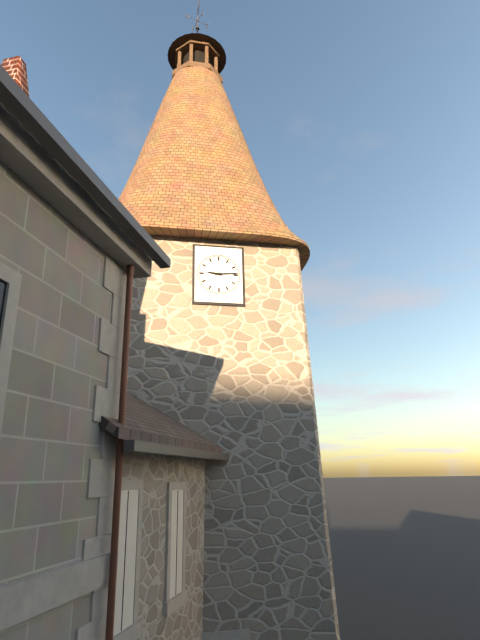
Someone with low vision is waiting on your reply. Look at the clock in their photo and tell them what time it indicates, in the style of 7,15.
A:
9,14
